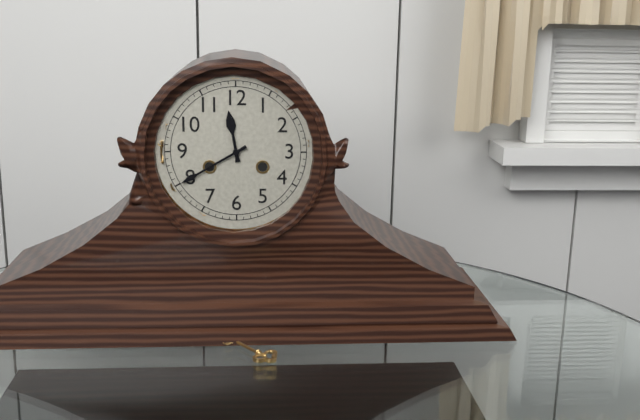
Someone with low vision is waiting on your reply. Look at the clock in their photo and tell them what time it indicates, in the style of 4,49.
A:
11,40
